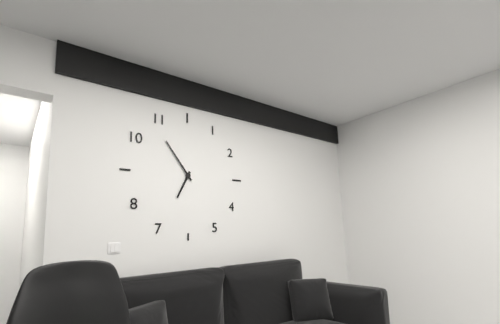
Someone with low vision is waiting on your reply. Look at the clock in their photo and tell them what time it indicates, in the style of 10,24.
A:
6,54
